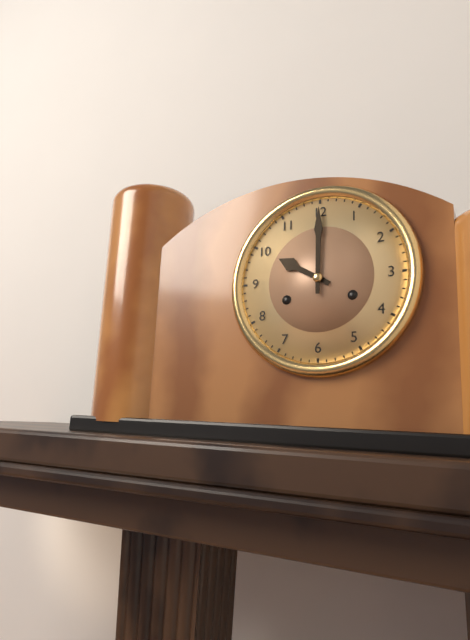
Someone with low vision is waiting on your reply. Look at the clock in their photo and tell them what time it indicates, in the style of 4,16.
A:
10,00
